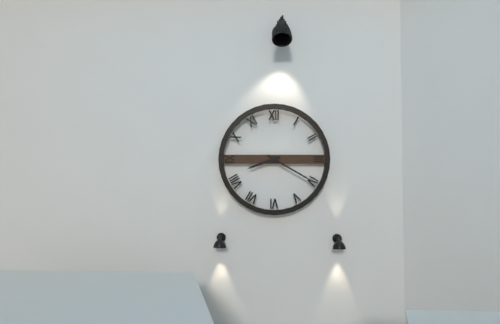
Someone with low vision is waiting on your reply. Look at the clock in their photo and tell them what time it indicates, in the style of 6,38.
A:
8,20
